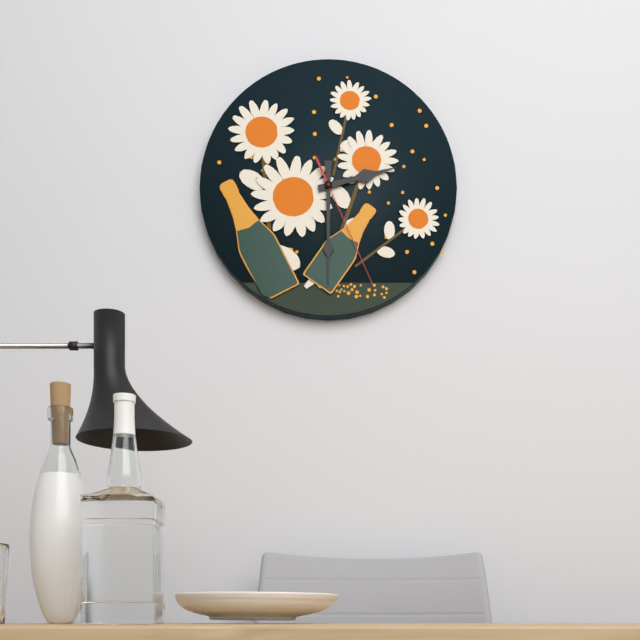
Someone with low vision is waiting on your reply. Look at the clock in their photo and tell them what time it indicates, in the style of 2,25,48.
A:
2,30,26
